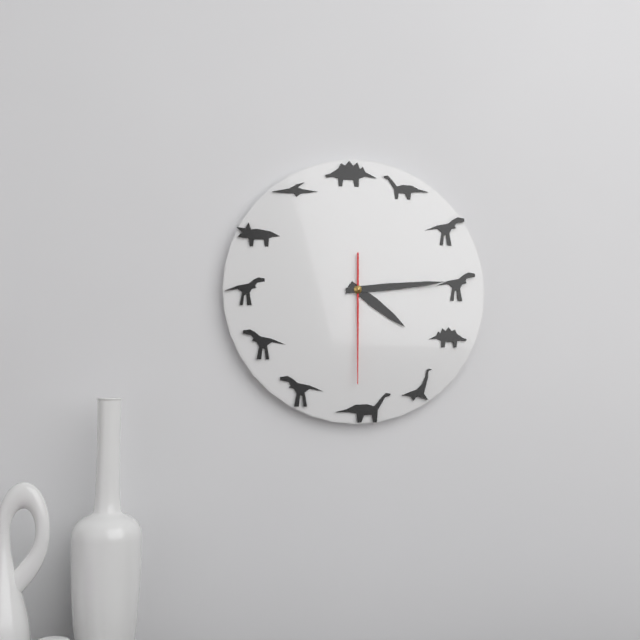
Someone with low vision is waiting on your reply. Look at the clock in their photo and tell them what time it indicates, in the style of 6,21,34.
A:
4,14,30
